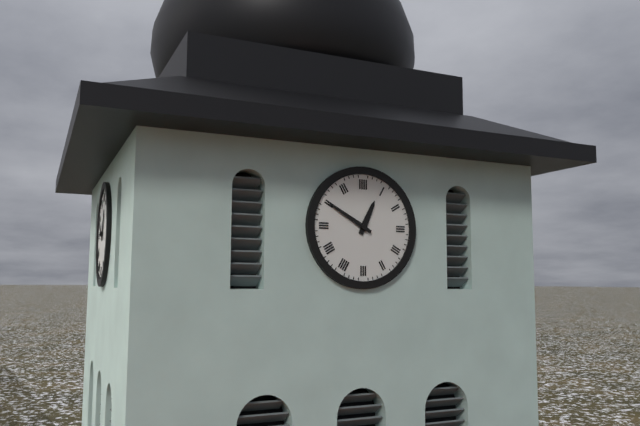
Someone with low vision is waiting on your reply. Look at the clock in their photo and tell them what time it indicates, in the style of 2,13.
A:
12,50
